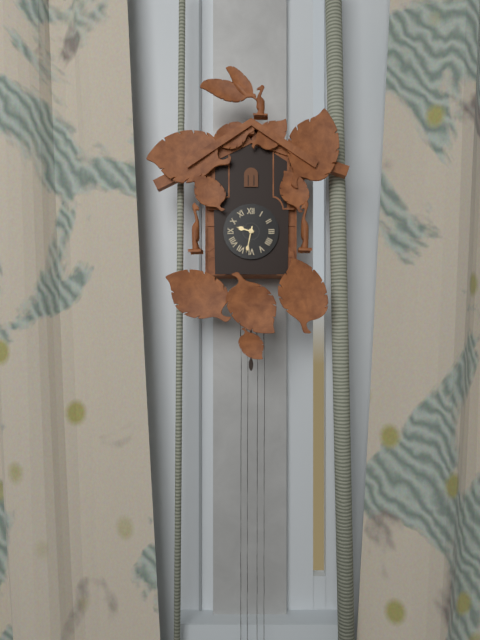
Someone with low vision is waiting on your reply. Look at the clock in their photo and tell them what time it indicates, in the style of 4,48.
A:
9,32
